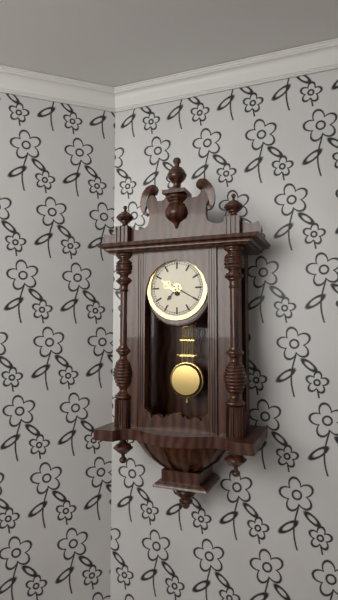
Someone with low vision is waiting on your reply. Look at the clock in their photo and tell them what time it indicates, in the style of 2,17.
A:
7,20
